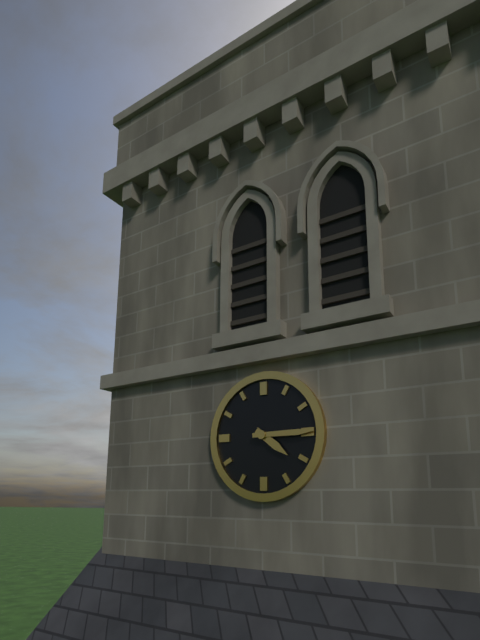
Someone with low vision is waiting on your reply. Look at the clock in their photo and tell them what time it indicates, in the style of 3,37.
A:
4,15
